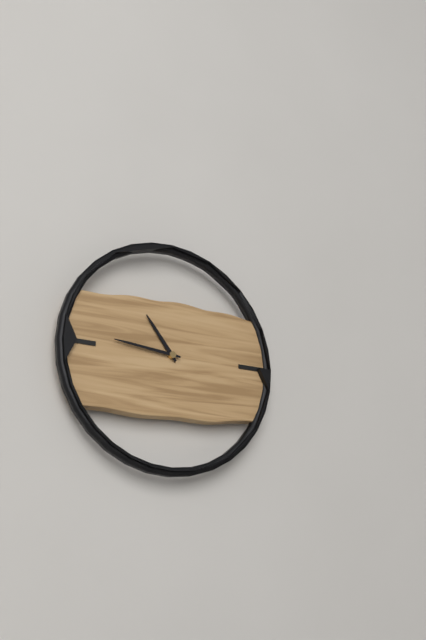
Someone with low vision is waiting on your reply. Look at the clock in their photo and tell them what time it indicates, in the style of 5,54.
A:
10,46
